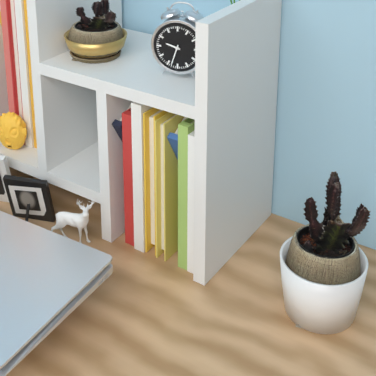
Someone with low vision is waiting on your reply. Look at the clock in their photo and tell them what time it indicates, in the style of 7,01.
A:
9,33
